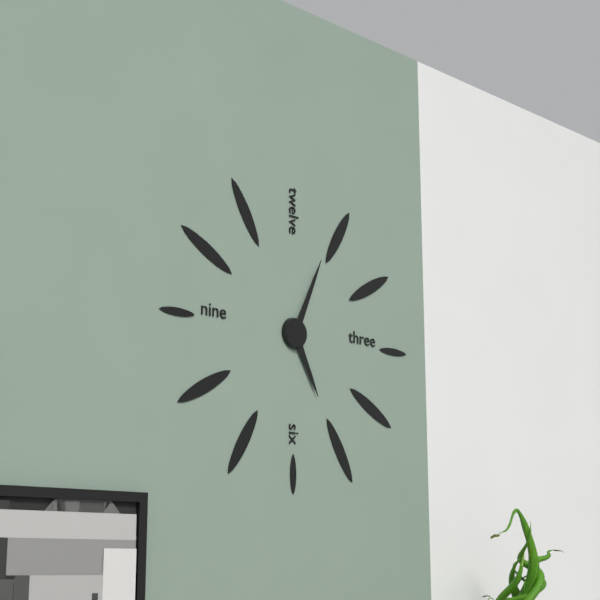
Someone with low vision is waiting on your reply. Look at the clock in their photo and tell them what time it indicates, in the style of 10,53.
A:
5,04
